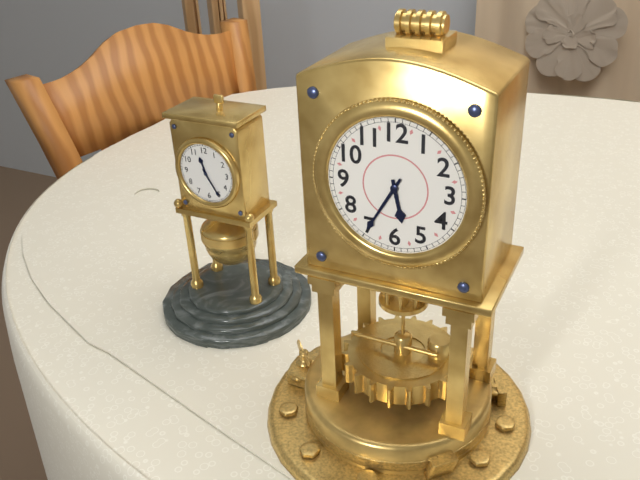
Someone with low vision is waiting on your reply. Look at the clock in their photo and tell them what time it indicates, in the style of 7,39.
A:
5,35
